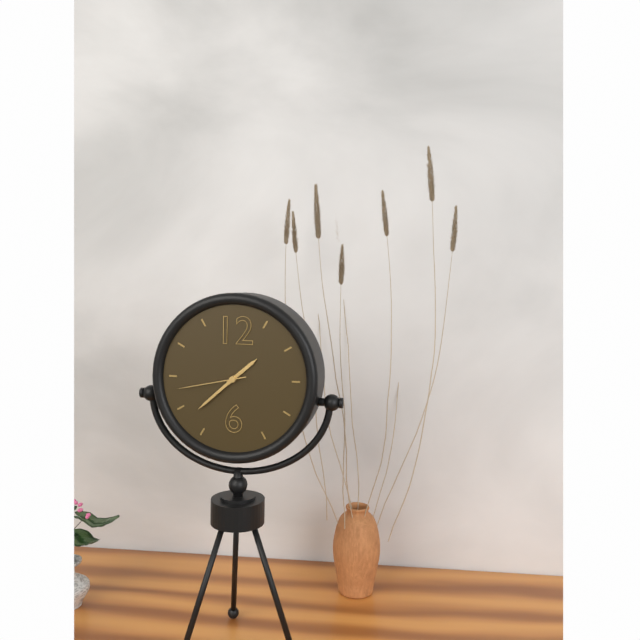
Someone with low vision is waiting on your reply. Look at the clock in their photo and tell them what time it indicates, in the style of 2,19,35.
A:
1,38,43
